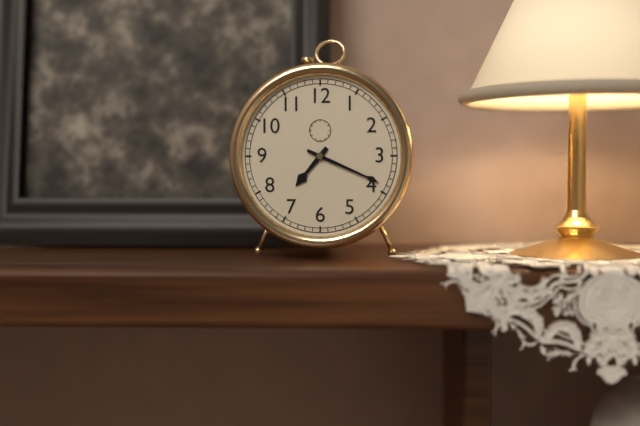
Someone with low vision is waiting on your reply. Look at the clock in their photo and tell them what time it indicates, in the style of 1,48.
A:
7,19
